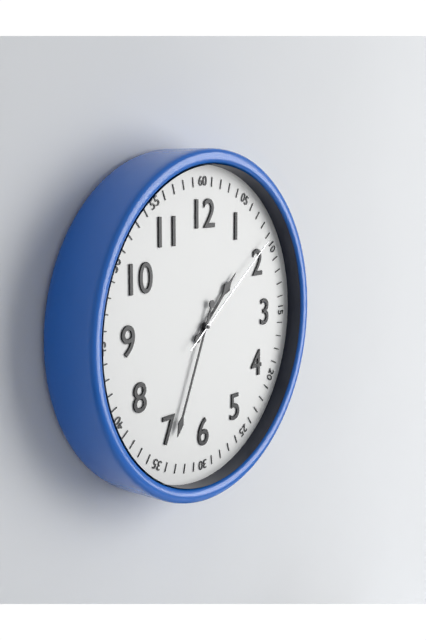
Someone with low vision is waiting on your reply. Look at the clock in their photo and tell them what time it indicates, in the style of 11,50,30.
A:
1,34,09
